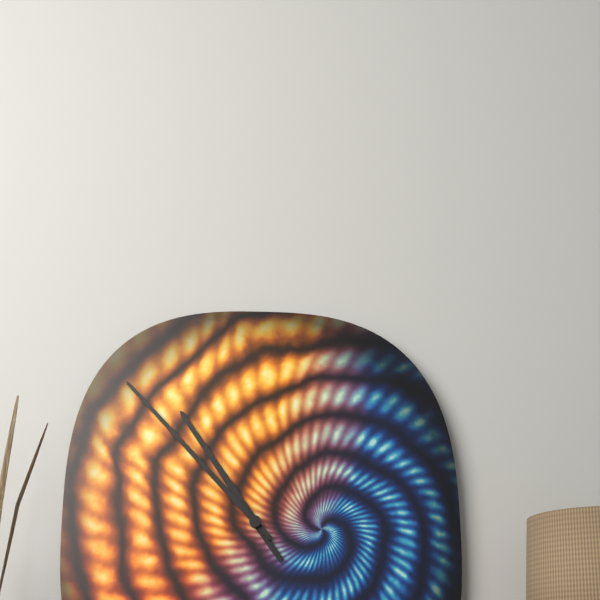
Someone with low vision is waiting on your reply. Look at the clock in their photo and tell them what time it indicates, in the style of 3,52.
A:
10,53
